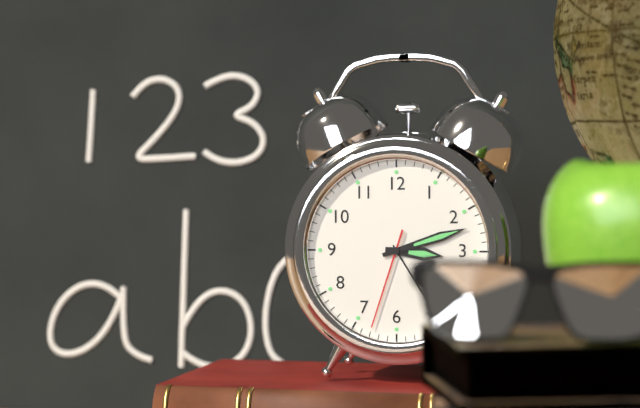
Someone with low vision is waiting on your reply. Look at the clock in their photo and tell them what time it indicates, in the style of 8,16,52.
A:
3,12,33
